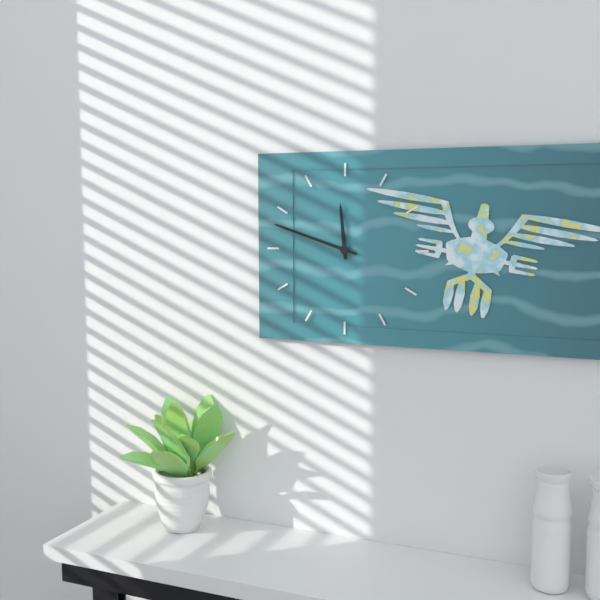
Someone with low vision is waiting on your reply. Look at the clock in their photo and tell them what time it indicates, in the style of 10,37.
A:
11,48
